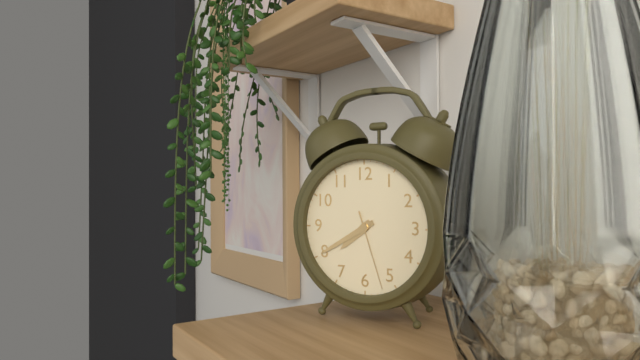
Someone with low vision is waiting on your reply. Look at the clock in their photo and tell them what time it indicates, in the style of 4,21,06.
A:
7,40,27
